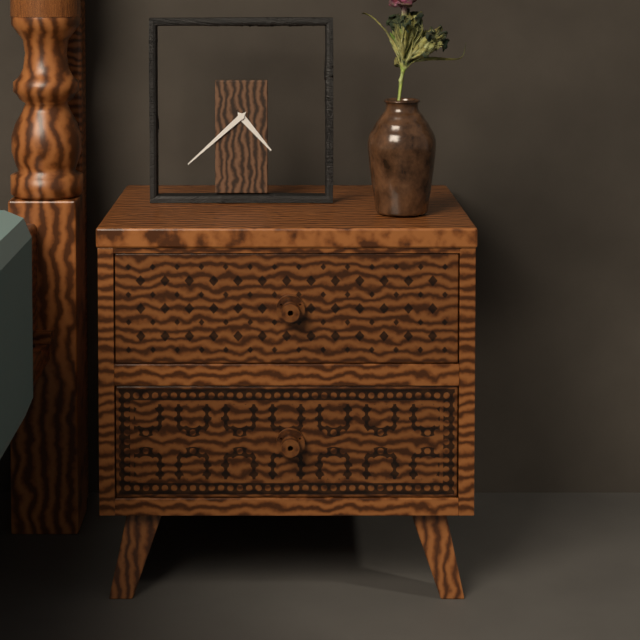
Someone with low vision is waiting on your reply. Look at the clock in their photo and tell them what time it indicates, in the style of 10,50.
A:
4,38
